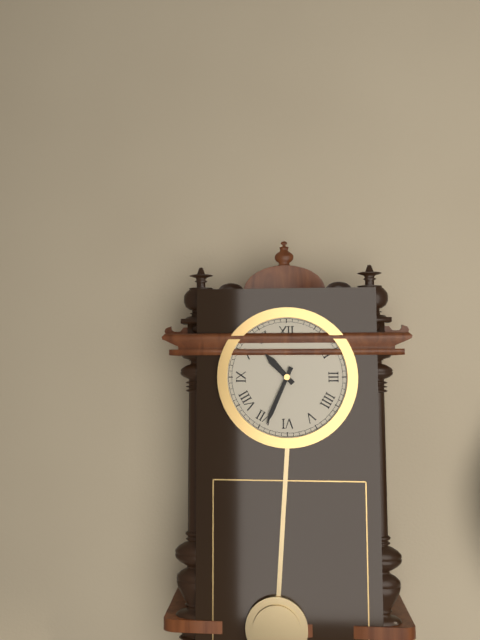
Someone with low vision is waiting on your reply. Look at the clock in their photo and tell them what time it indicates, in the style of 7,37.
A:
10,34
